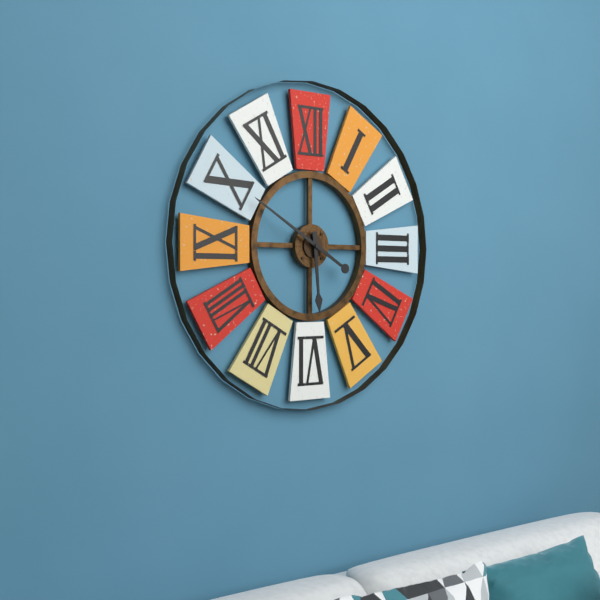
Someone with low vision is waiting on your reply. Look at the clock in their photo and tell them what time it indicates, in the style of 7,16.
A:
5,50
